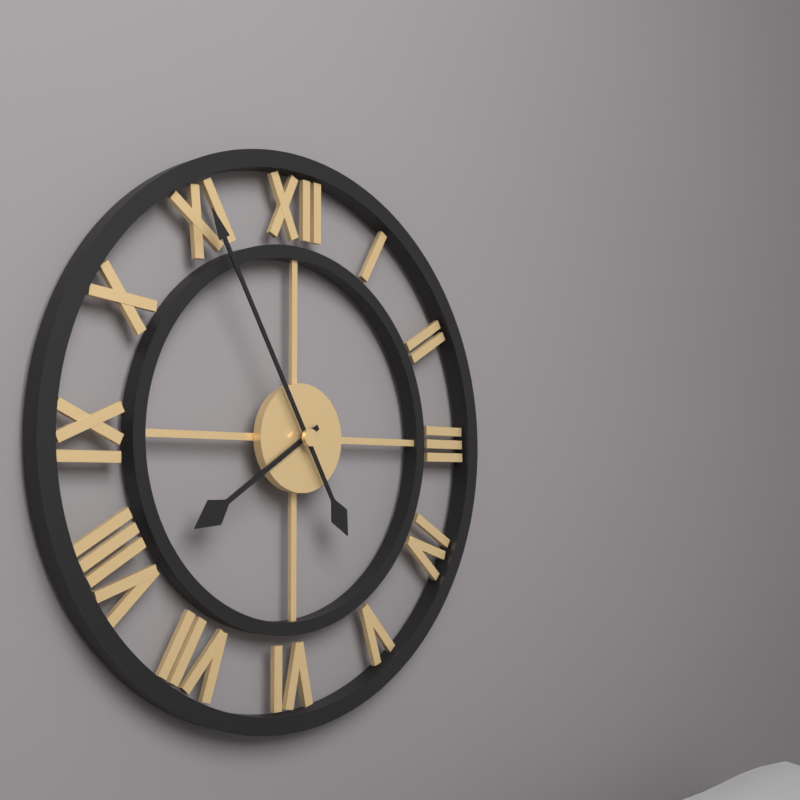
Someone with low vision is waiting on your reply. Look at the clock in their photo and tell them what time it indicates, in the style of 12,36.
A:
7,55
